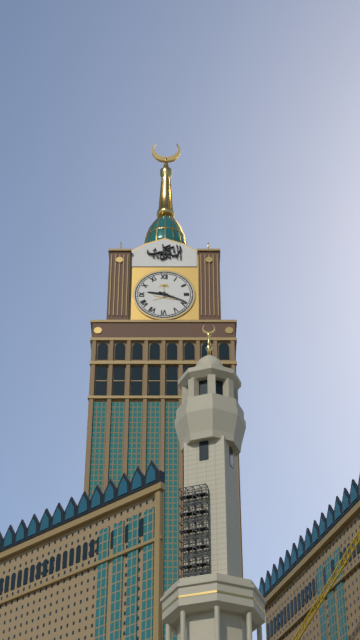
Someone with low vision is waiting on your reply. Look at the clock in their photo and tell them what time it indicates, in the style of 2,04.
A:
9,19
